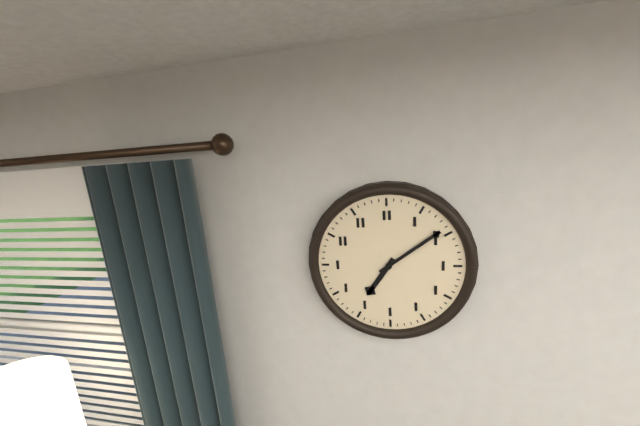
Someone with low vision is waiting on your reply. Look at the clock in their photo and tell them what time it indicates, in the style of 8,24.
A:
7,09
